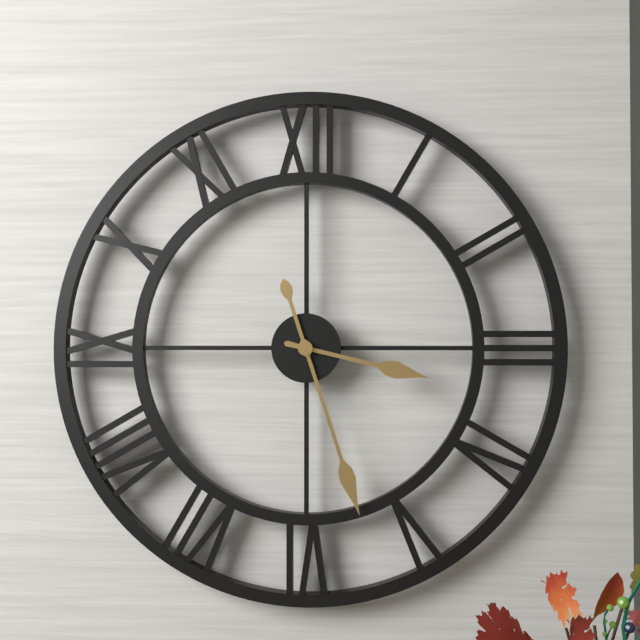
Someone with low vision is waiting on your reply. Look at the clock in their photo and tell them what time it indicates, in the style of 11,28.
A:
3,27
